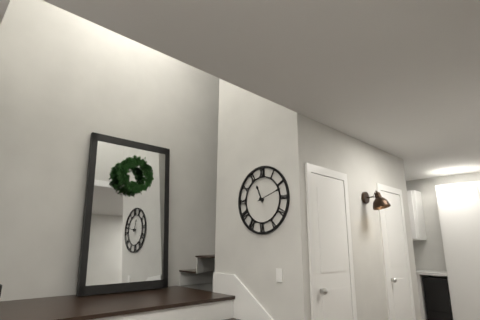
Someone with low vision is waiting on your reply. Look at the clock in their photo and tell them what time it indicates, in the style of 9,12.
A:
11,12
